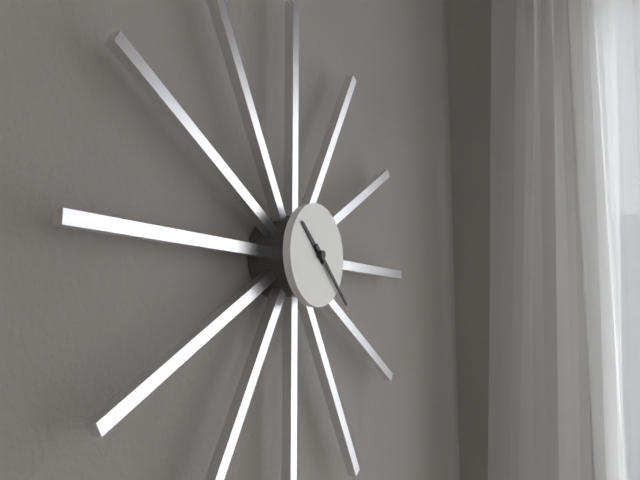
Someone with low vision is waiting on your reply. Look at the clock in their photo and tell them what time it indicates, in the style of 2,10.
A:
10,22
